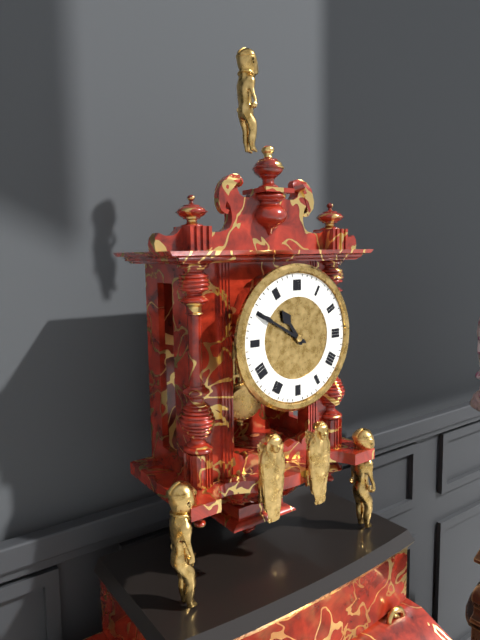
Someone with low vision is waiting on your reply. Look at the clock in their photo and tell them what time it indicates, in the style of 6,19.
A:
10,50
